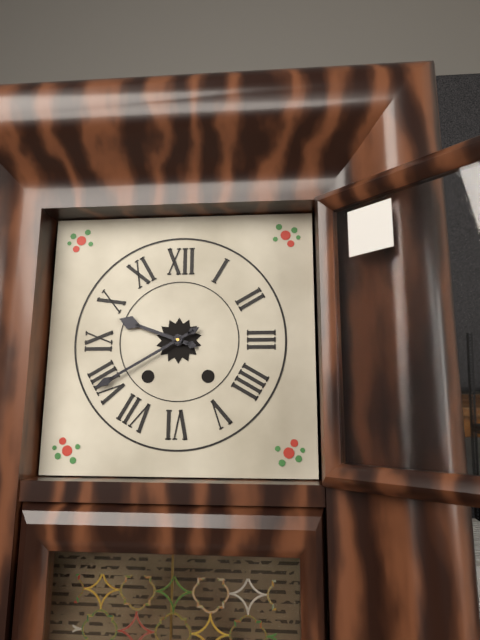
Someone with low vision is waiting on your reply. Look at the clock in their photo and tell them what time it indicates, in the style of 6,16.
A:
9,40
